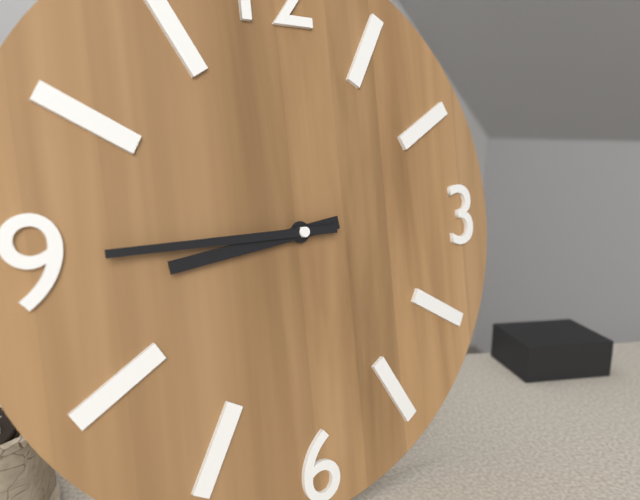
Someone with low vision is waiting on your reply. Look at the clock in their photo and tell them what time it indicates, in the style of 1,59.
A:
8,45
